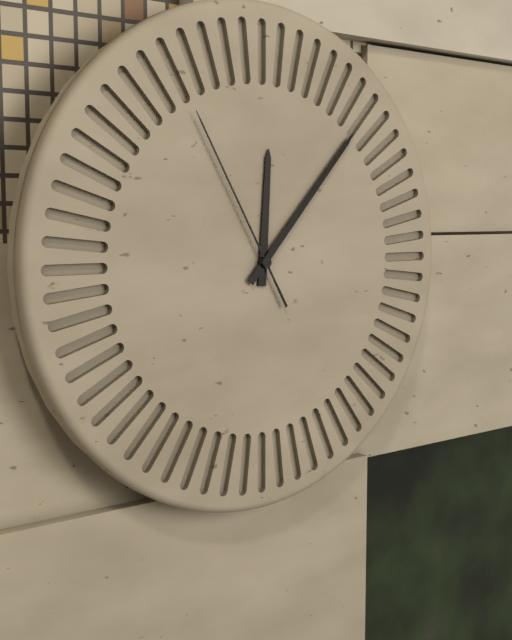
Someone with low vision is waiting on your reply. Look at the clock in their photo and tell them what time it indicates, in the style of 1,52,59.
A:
12,07,55
